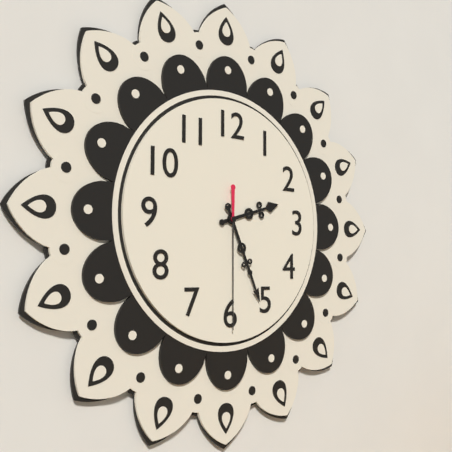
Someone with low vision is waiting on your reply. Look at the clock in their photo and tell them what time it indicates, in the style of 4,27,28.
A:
2,26,30
